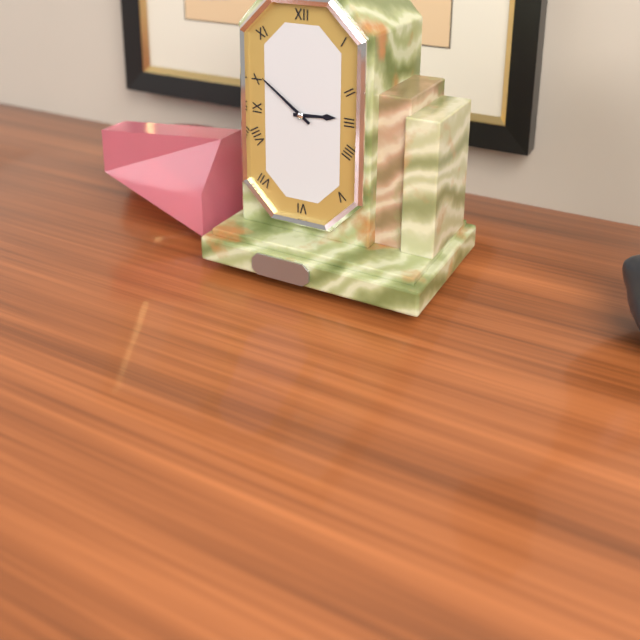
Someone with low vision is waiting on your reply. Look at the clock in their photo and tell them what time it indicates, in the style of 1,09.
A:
2,51
